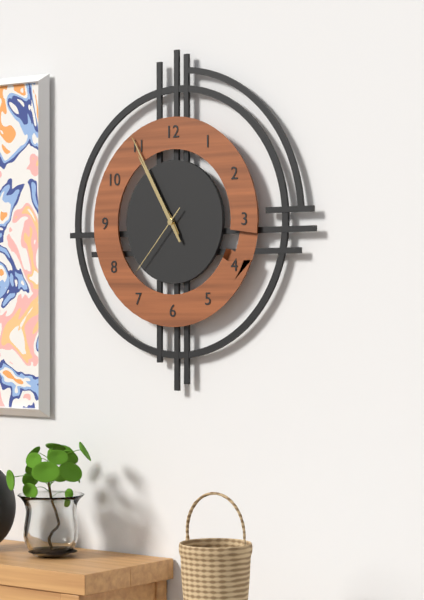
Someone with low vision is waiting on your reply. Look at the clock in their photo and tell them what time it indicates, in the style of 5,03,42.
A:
10,55,37
